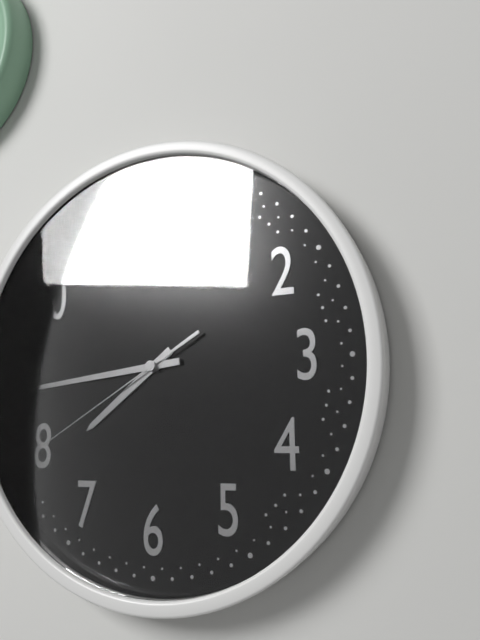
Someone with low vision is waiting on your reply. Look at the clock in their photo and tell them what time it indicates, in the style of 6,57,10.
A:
7,44,40
